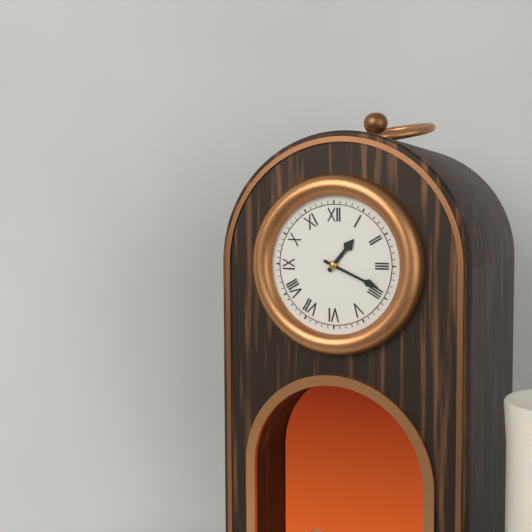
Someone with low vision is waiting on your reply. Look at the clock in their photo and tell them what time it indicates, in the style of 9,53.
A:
1,19
